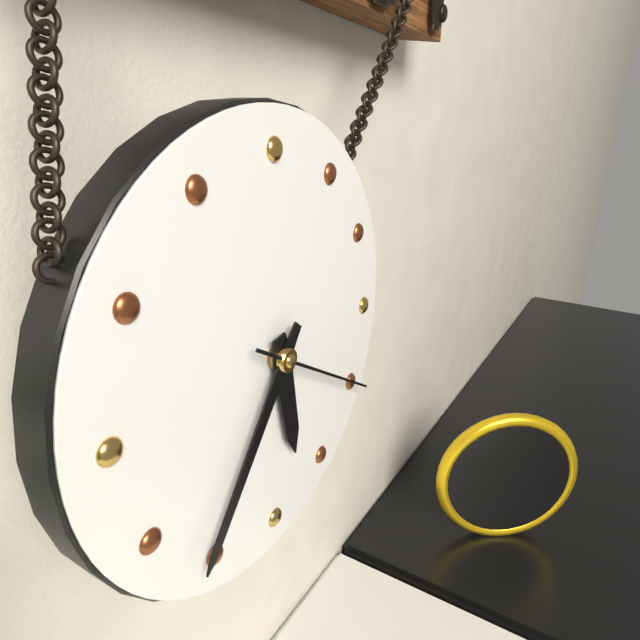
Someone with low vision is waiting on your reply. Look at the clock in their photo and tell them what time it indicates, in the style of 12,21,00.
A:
5,36,20
